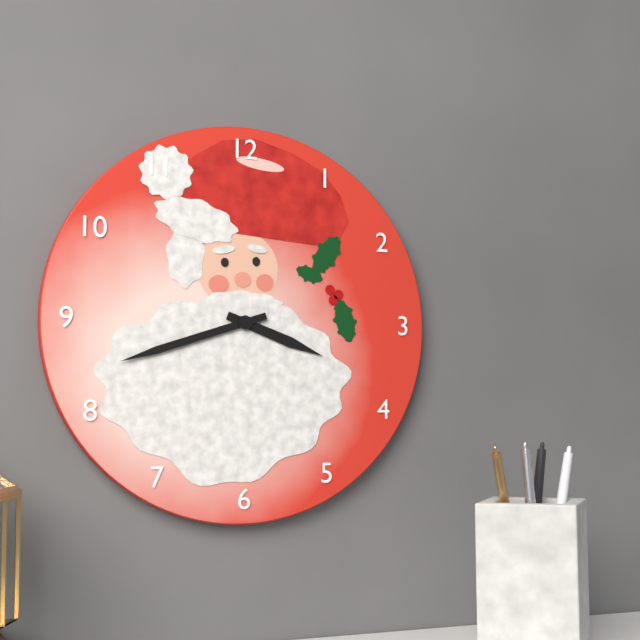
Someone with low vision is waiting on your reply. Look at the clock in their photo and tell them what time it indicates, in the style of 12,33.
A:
3,42
